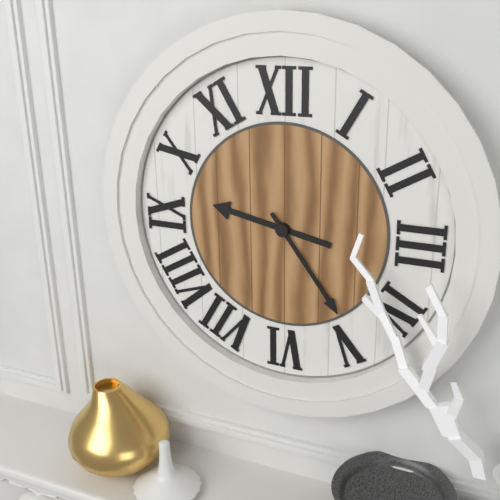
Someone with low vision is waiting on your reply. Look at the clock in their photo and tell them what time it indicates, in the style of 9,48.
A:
9,24
